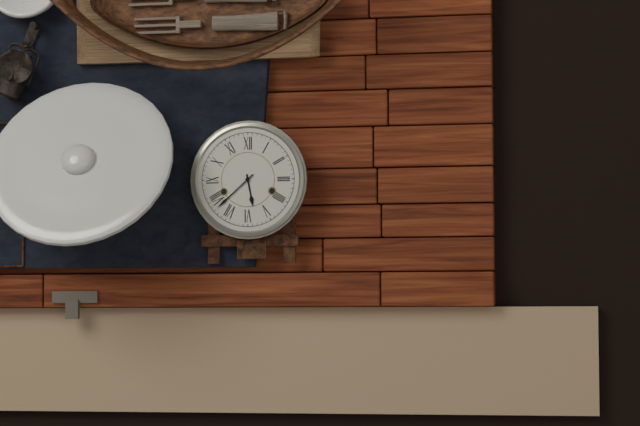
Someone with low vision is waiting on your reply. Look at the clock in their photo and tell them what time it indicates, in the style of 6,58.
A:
5,38
